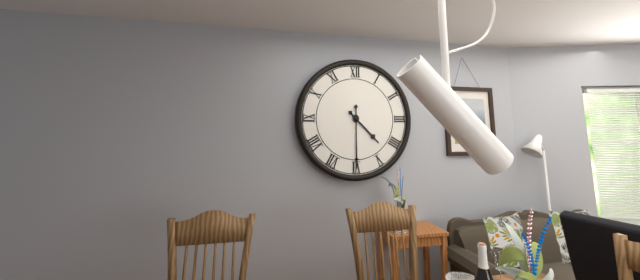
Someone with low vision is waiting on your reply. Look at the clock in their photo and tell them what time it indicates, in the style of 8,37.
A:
4,30
